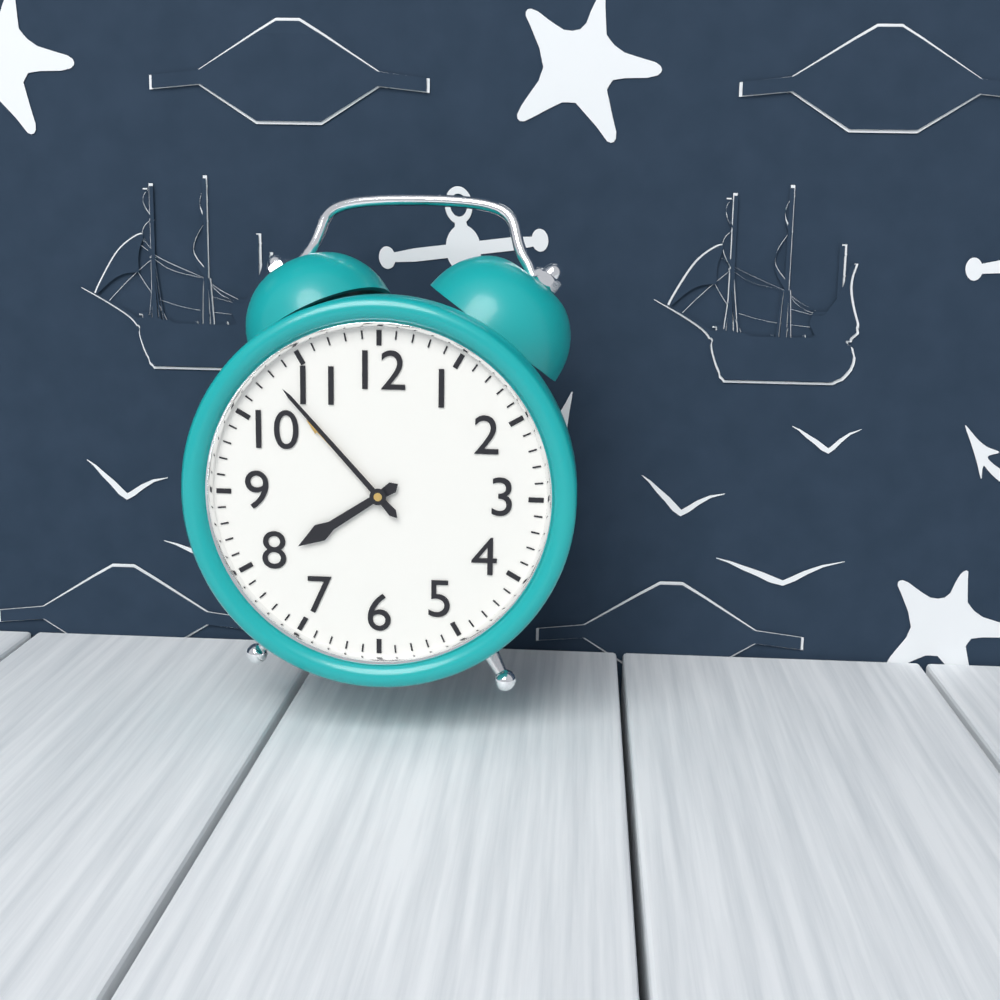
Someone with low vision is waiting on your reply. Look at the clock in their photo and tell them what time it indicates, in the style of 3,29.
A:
7,53
